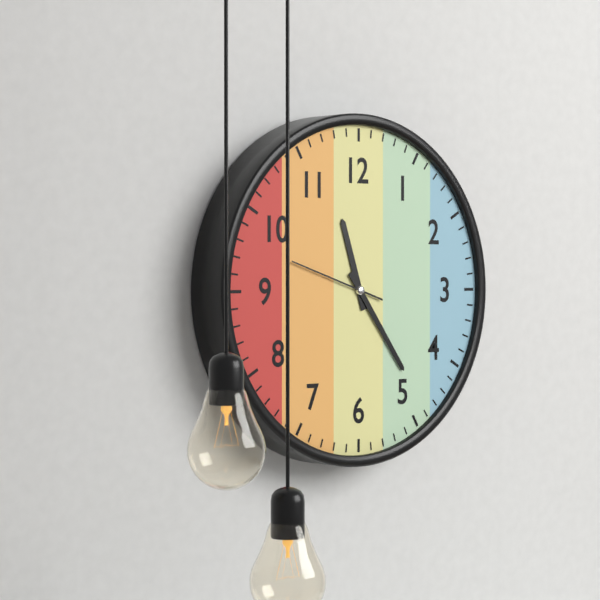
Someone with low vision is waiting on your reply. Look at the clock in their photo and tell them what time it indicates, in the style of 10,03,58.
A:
11,24,48
